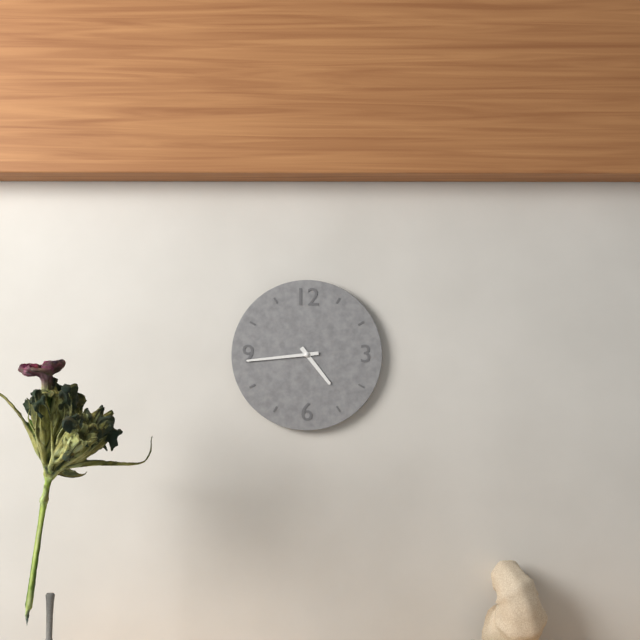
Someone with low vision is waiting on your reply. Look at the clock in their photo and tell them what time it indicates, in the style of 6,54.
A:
4,44
